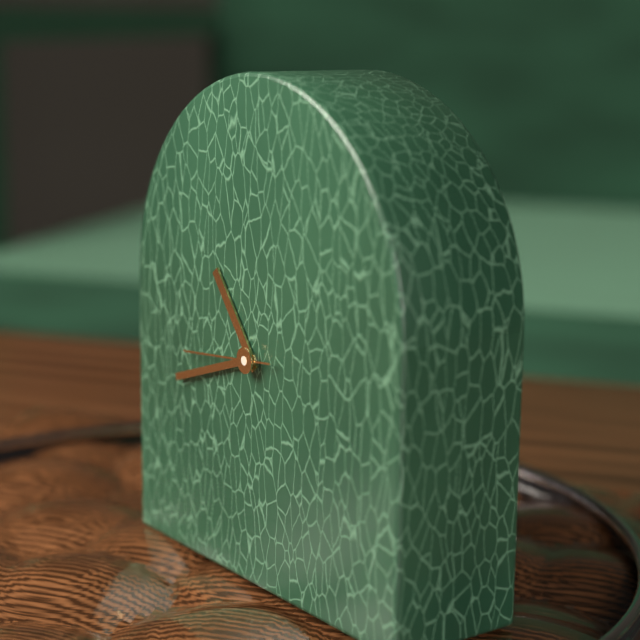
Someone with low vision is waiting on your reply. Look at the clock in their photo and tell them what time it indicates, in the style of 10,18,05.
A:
10,42,44
